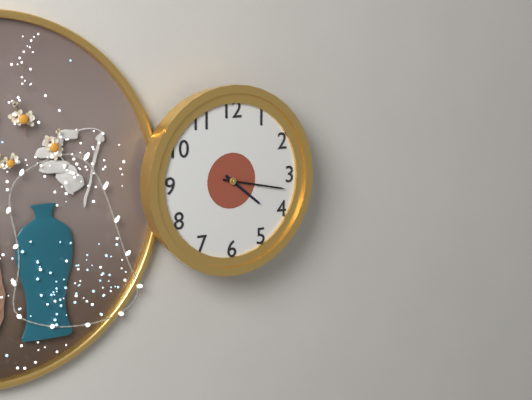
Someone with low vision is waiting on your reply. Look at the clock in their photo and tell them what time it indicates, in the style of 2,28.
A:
4,17
